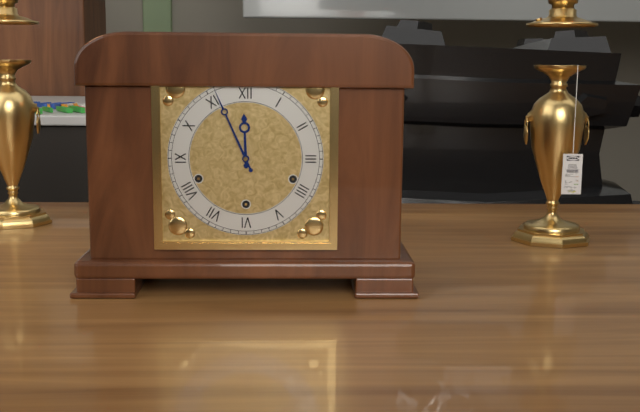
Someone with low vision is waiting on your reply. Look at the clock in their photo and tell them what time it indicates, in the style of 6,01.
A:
11,56
